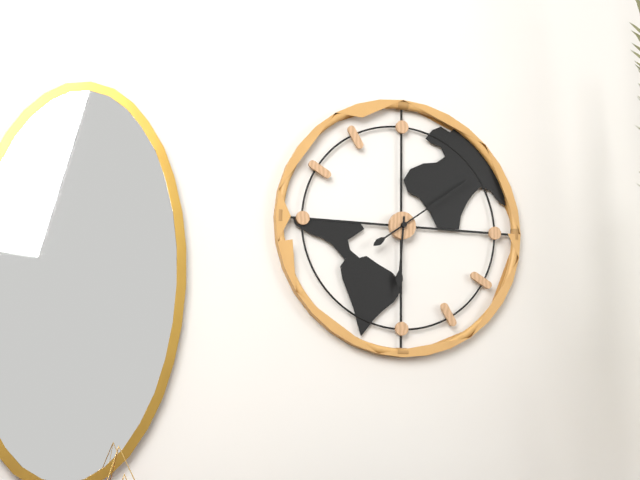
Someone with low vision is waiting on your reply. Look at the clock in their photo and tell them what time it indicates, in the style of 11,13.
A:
6,09
